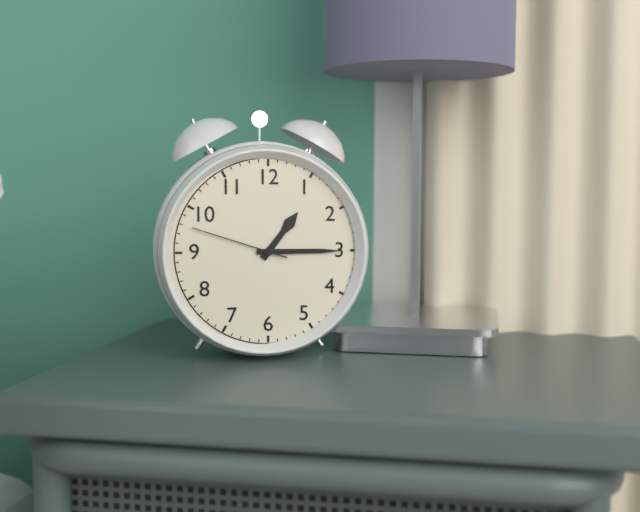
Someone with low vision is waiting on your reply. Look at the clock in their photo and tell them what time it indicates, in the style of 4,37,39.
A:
1,15,48
